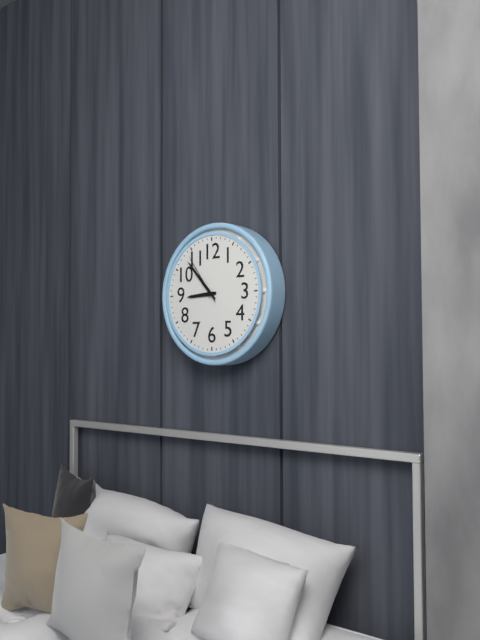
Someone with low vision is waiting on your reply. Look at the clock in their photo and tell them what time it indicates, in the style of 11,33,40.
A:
8,53,54
